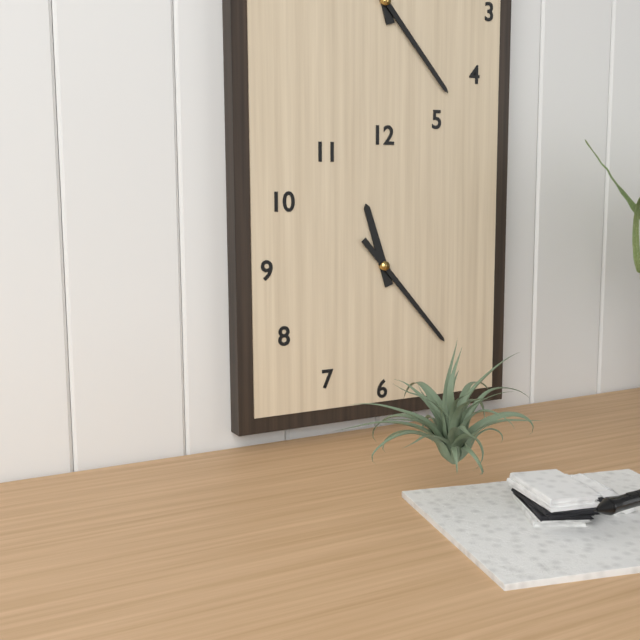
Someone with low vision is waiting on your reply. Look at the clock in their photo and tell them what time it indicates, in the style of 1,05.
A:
11,23
